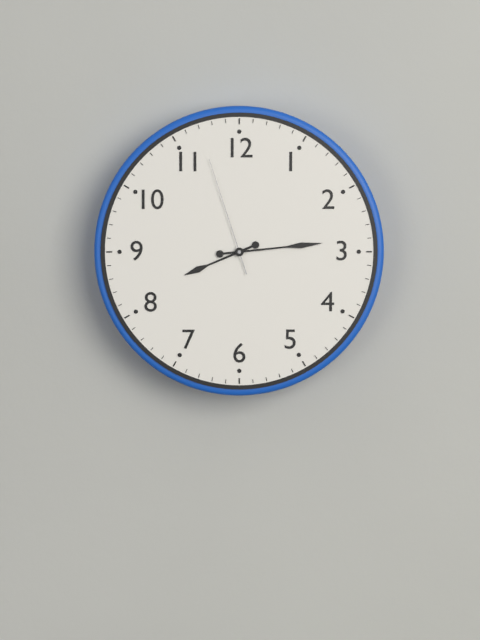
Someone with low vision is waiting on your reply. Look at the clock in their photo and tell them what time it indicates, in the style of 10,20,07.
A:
8,14,57
